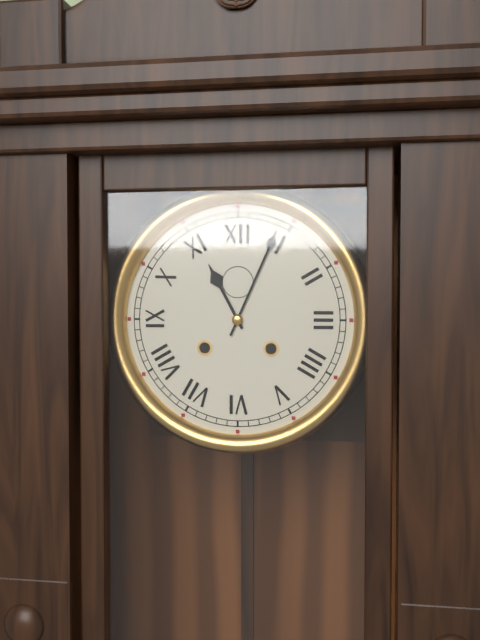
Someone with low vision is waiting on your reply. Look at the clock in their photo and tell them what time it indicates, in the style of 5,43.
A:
11,04
